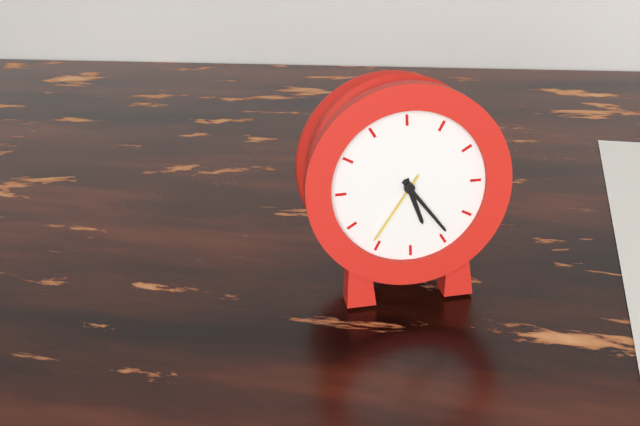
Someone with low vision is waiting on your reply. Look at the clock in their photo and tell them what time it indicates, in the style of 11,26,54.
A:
5,24,36
